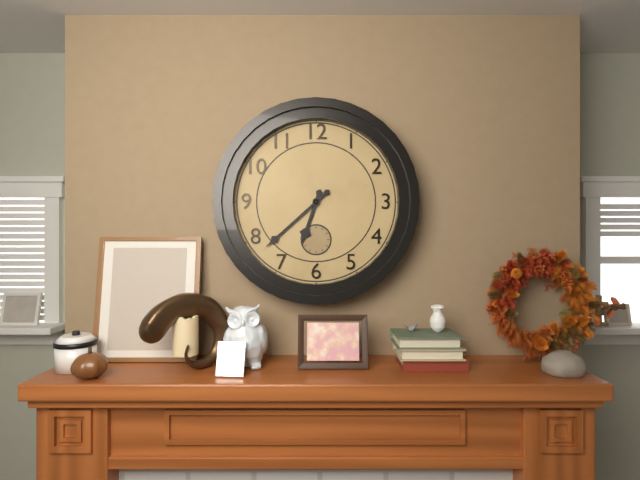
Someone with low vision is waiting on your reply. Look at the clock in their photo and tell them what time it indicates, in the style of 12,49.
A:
6,38
